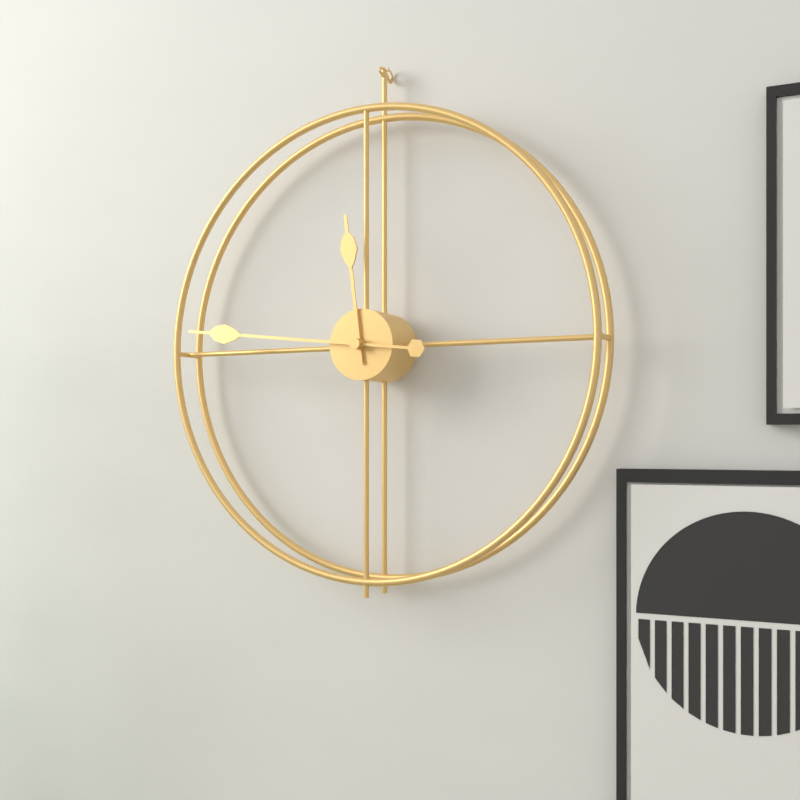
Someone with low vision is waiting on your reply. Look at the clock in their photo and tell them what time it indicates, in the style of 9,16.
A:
11,46
